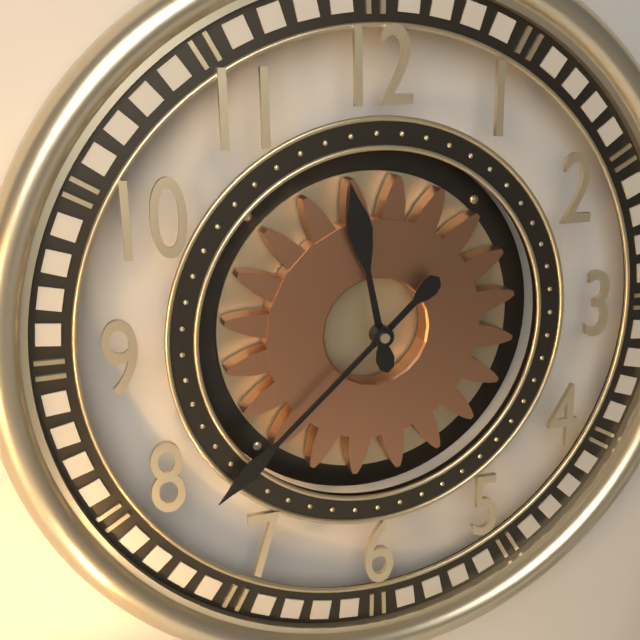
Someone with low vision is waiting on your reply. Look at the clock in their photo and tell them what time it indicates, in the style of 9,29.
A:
11,38
